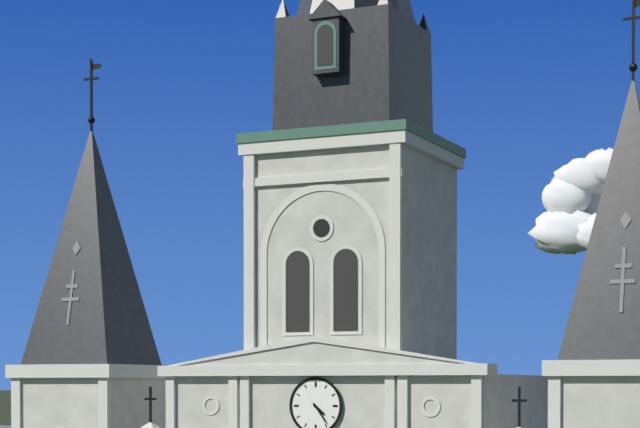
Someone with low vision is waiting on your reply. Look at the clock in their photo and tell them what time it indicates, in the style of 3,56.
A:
4,24
